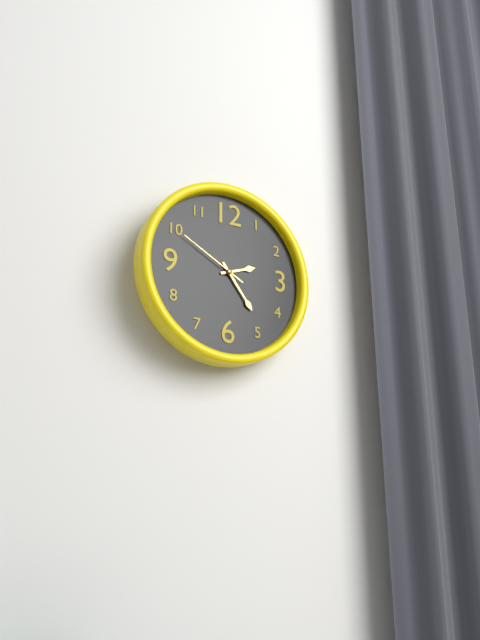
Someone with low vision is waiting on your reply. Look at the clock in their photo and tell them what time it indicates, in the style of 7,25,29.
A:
2,24,50
